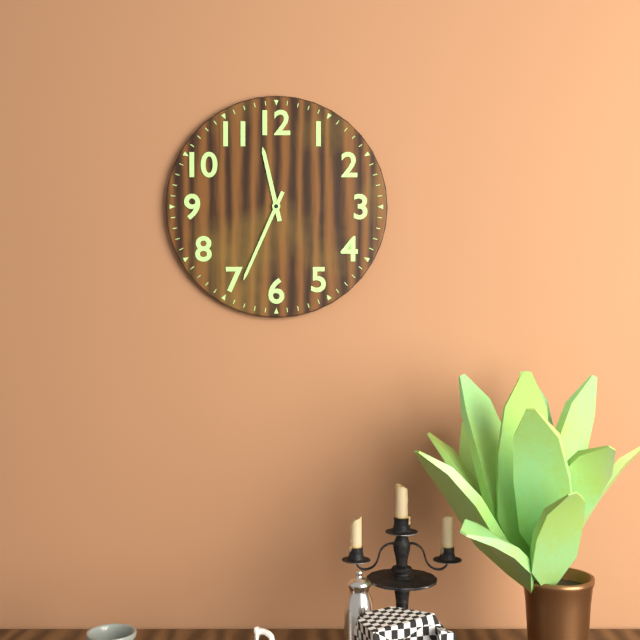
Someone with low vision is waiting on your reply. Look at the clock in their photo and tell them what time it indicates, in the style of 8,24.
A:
11,34
